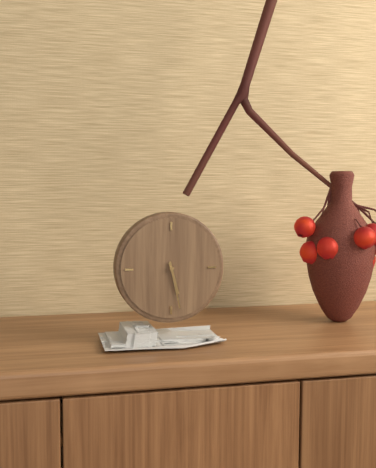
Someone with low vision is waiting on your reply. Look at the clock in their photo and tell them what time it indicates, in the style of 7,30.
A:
5,28
